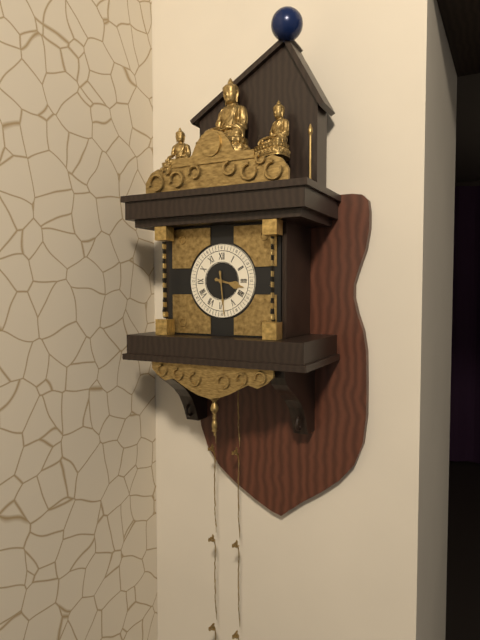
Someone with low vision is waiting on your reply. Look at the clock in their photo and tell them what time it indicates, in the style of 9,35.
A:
3,29
